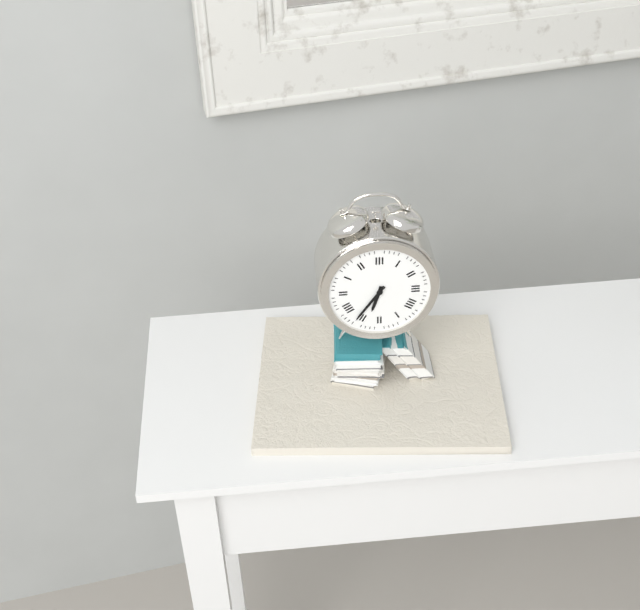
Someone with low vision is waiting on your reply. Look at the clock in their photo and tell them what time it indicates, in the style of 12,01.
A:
6,36
